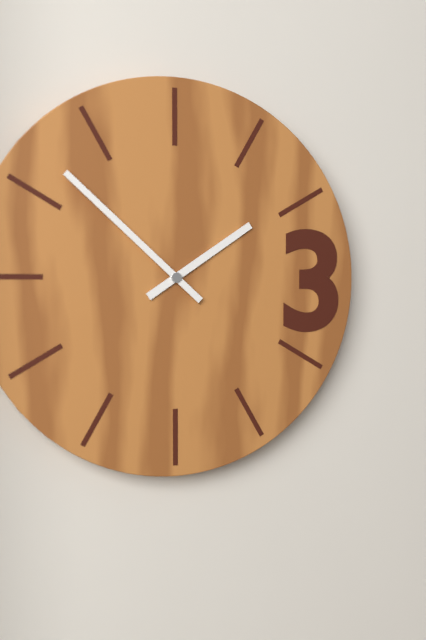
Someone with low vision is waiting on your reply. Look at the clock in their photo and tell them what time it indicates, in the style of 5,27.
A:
1,52
